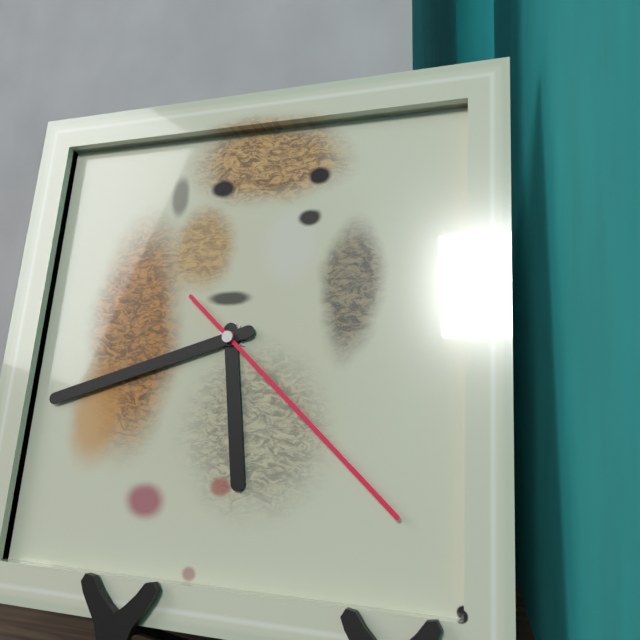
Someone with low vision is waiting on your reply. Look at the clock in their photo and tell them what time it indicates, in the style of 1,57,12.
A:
5,42,22
